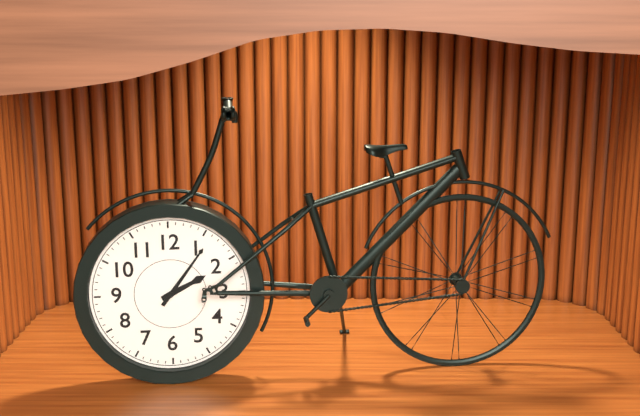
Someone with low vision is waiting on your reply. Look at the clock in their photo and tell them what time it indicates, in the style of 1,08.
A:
2,06
